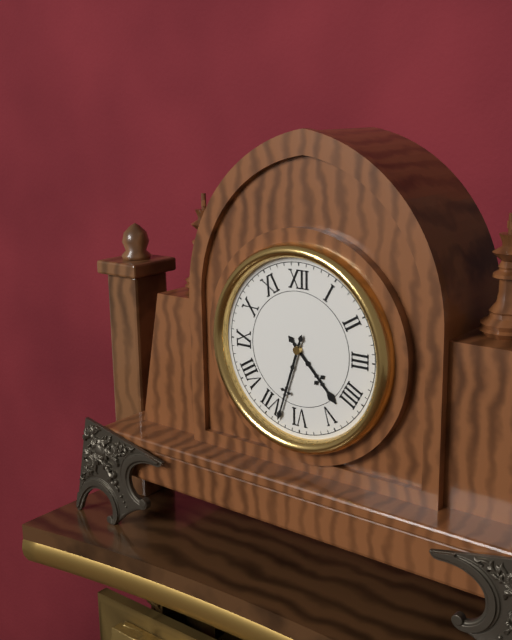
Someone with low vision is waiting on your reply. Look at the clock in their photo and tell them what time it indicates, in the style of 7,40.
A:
4,33
